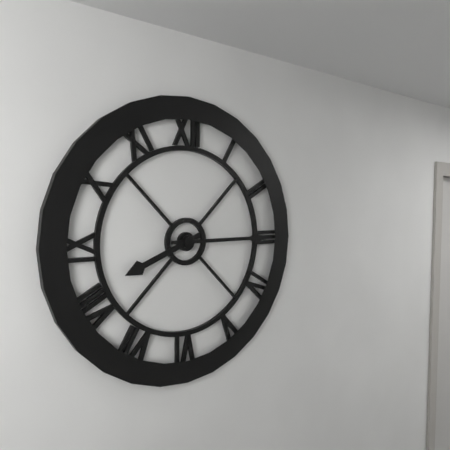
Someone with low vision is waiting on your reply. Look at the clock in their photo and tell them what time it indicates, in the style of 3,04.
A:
8,15
